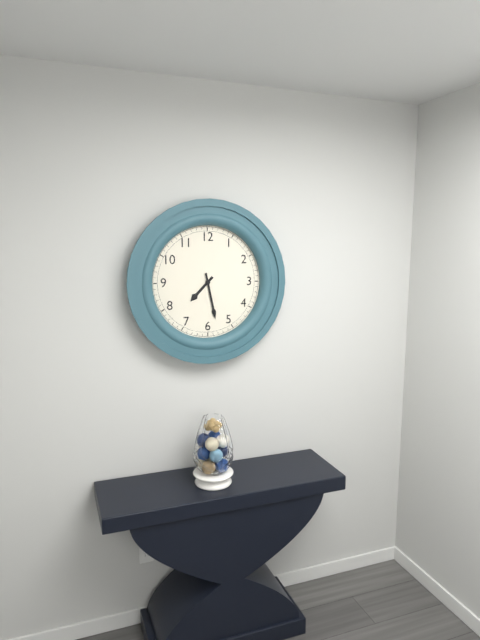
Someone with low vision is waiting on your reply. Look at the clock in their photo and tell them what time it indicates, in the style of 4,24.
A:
7,28
